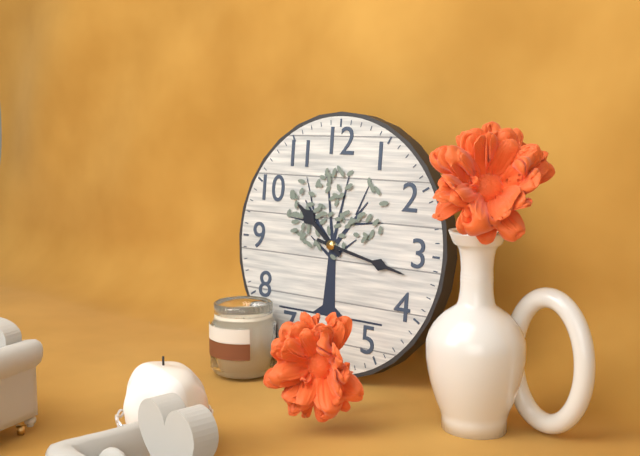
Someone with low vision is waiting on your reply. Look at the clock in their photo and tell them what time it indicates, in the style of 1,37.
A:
10,17
